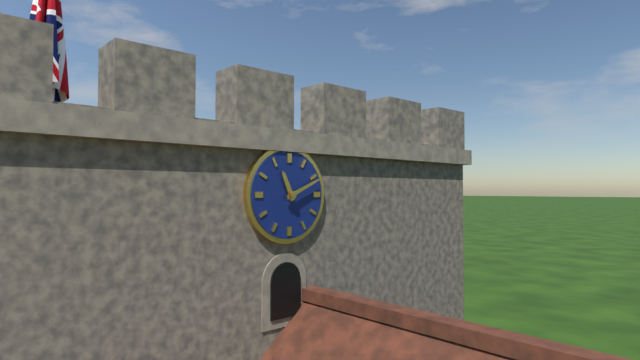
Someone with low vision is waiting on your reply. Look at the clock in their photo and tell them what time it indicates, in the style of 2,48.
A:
11,11
